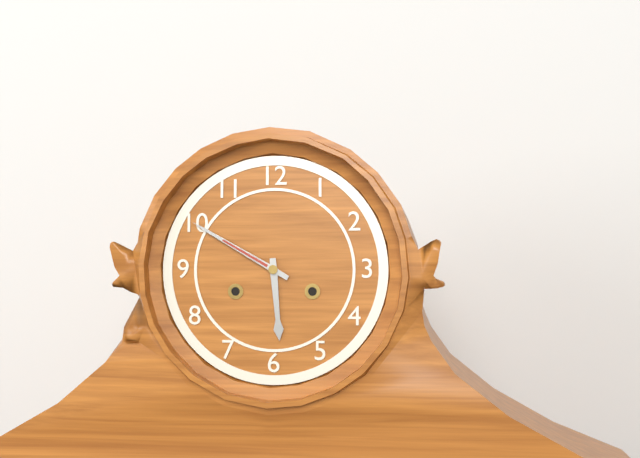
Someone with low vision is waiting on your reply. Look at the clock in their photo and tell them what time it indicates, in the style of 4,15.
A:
5,50
